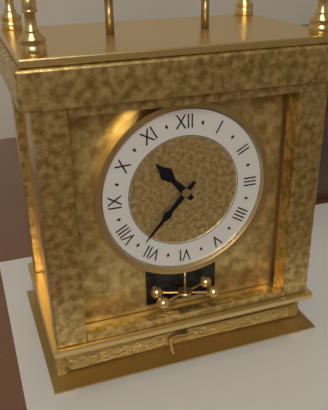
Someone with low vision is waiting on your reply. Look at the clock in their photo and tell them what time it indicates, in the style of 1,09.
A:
10,37
